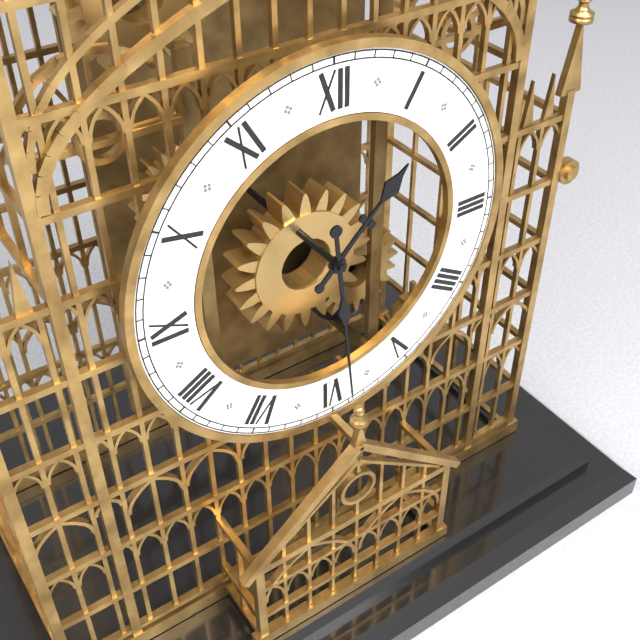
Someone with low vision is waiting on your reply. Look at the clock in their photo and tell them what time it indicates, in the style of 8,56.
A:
1,29
